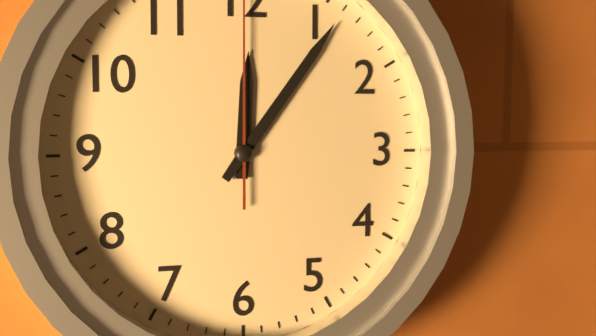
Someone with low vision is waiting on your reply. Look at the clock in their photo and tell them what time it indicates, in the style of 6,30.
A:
12,06
